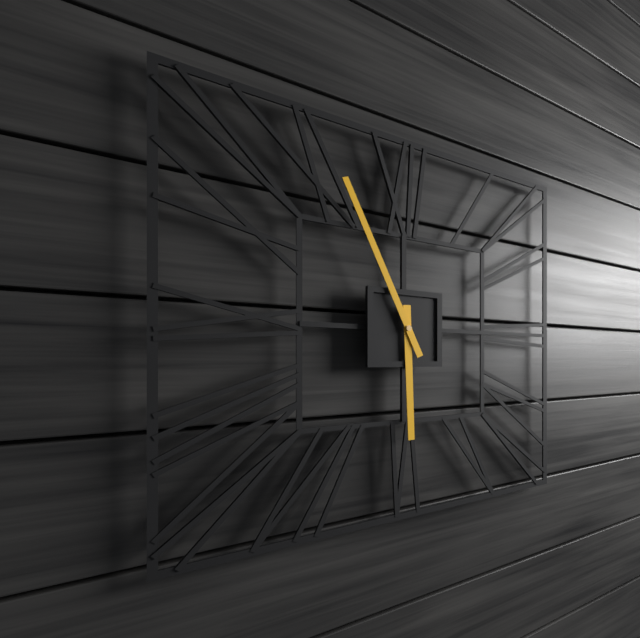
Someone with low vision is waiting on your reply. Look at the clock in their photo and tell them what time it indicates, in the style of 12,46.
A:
5,56
